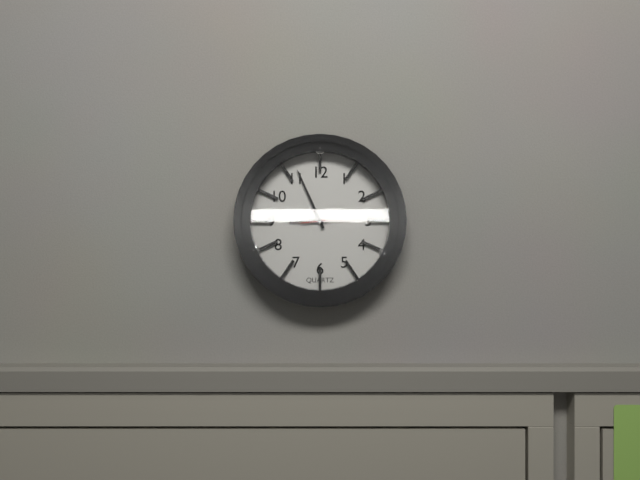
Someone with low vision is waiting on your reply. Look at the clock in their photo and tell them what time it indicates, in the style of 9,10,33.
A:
8,56,14
